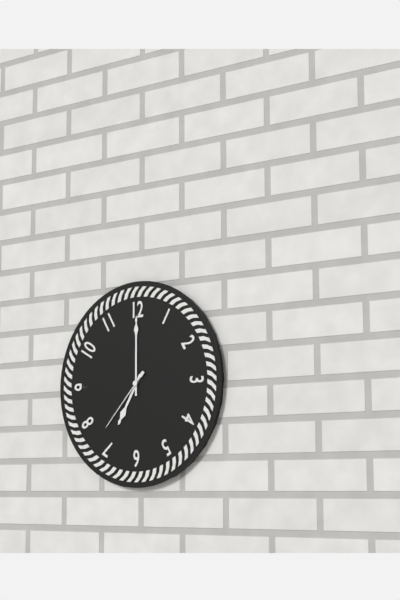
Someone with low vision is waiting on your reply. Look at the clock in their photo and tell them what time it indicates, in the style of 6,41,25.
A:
7,00,37
